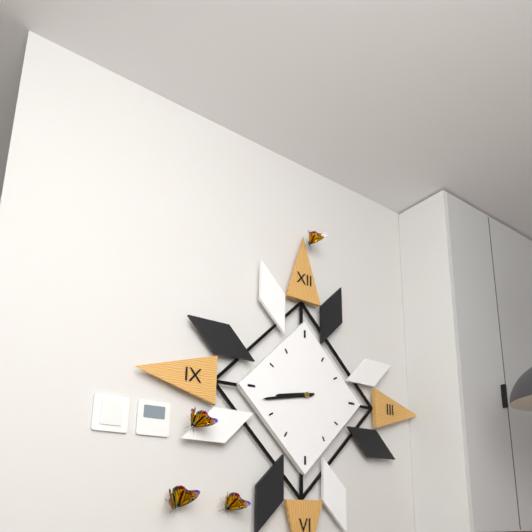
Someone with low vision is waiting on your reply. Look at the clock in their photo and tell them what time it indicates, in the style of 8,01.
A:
8,43
